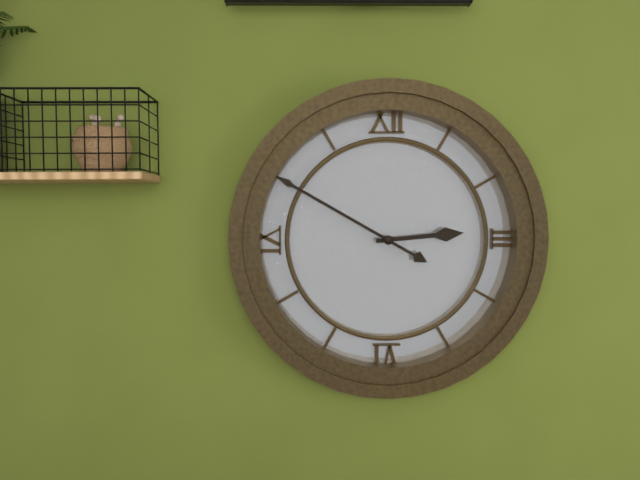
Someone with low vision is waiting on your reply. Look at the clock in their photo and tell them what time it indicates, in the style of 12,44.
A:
2,50
